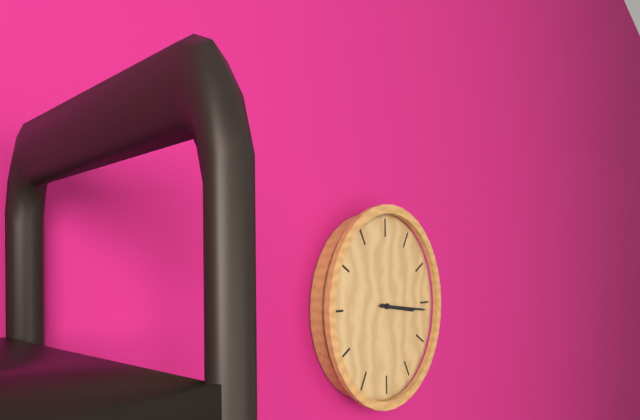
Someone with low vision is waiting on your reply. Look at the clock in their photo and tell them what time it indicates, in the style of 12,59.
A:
3,16
